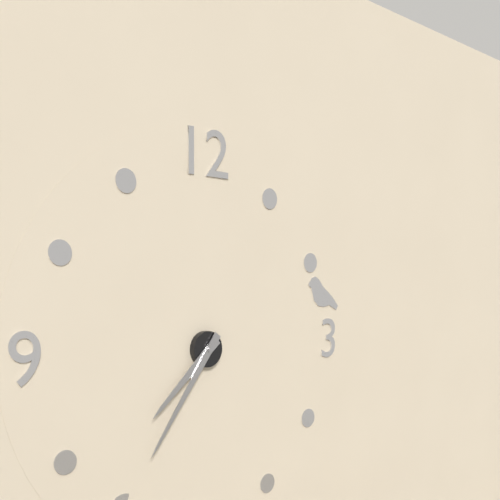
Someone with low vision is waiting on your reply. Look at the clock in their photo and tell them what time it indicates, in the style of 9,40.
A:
7,36
